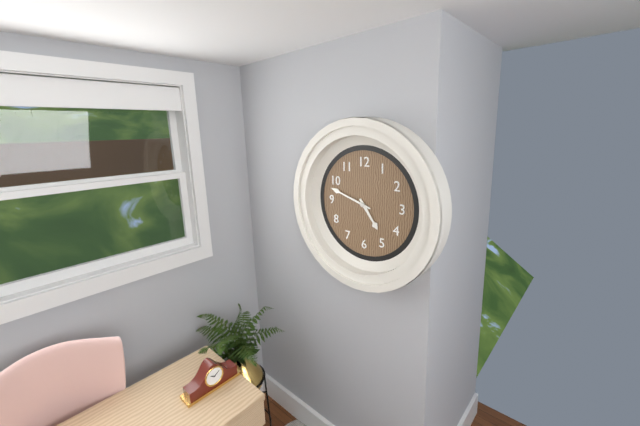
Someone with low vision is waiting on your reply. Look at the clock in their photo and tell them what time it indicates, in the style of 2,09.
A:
4,48
